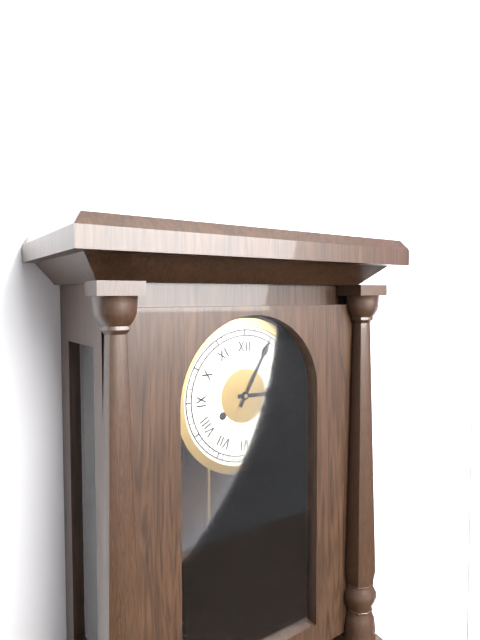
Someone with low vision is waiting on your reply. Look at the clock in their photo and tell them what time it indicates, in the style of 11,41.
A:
3,05
